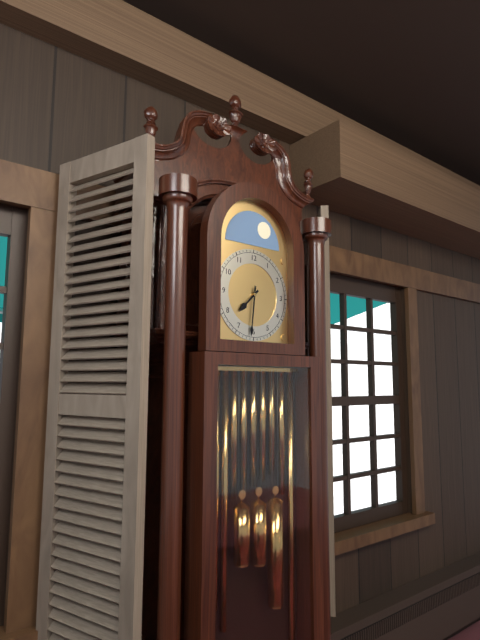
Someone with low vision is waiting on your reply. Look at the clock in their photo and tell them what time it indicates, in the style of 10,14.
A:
7,31
